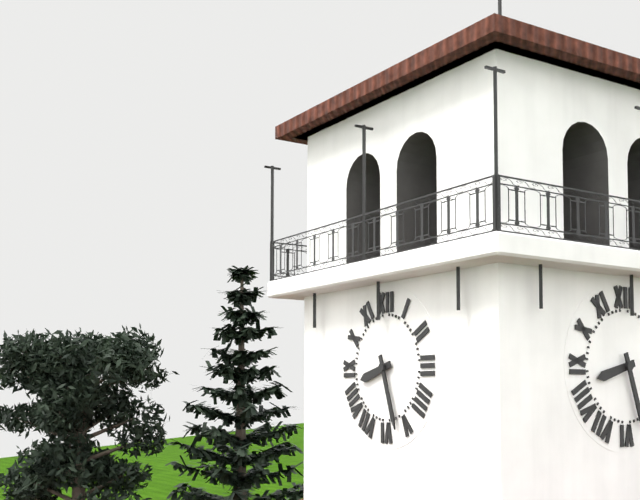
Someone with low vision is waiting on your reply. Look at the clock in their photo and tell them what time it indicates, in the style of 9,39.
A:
8,27
